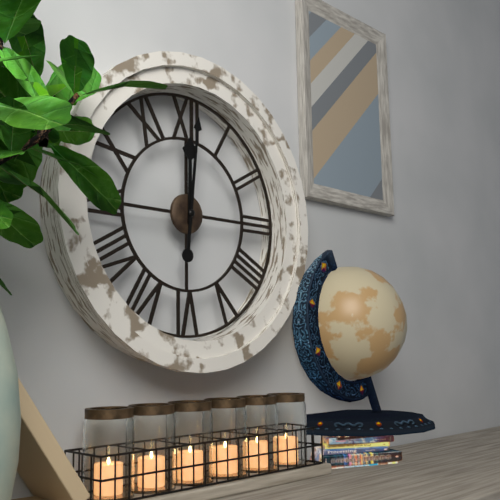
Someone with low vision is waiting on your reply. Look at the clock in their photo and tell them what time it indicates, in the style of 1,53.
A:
12,01
